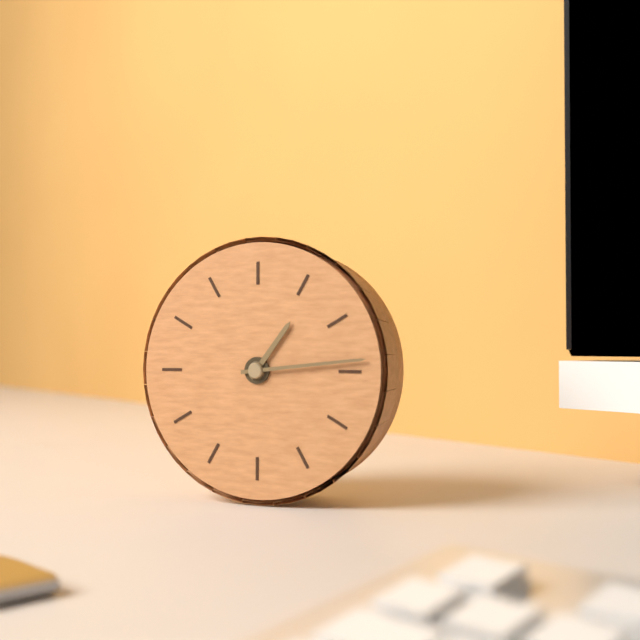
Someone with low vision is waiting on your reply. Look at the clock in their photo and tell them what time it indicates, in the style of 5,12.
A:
1,14
